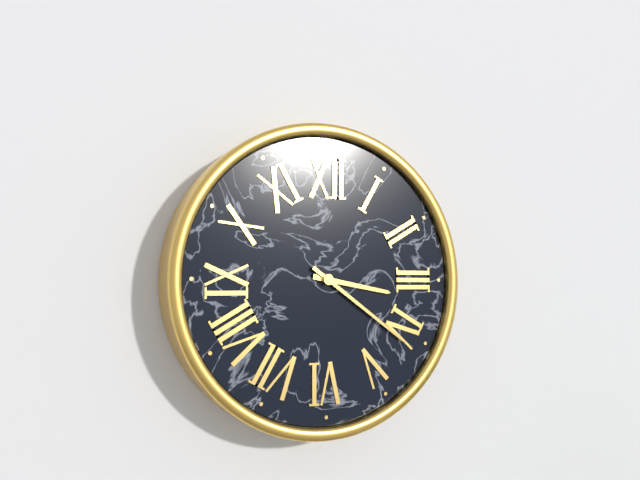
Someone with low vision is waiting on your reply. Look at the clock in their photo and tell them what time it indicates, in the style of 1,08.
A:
3,21
